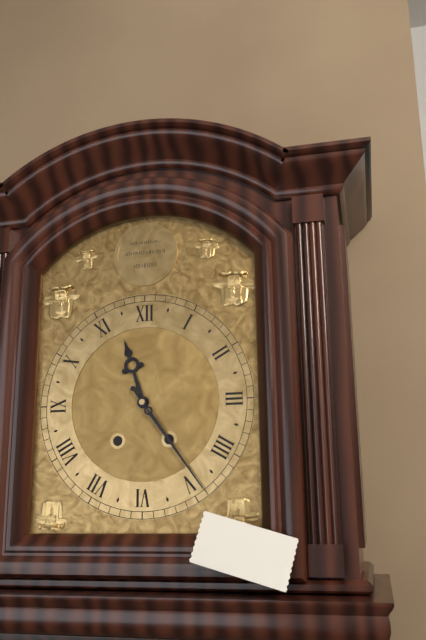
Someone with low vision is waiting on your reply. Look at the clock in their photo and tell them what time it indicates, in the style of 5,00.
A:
11,24
